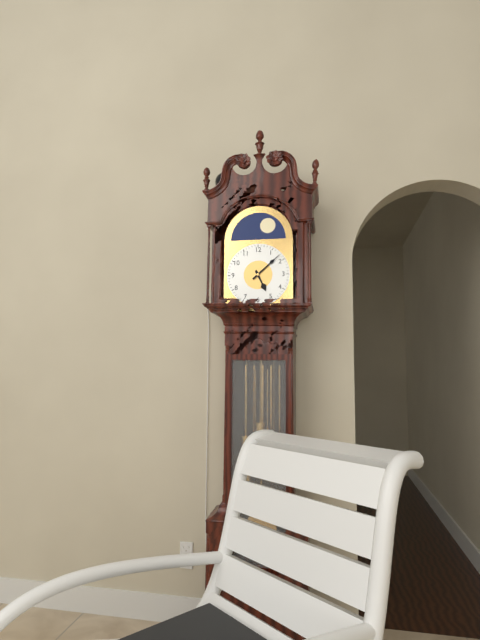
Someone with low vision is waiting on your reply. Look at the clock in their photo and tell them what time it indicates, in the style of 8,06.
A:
5,08
